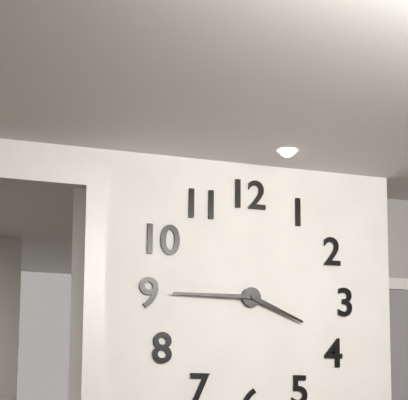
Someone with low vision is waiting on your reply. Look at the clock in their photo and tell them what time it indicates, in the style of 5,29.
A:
3,45
